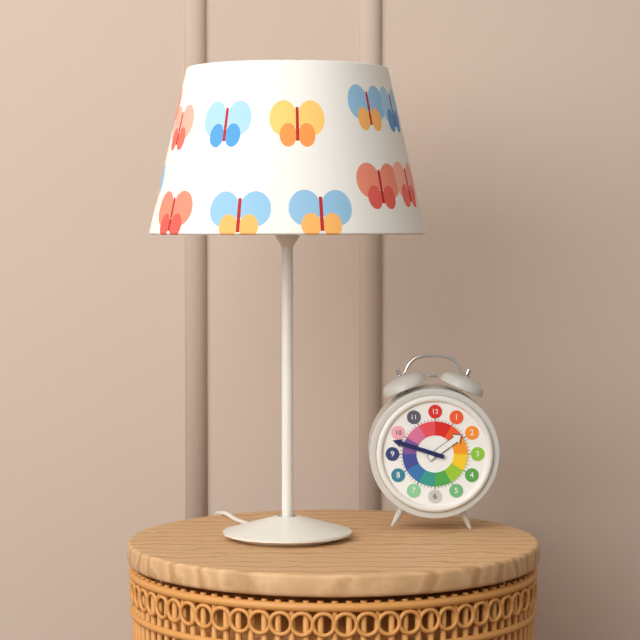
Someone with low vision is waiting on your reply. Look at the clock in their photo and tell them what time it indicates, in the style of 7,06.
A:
1,48
